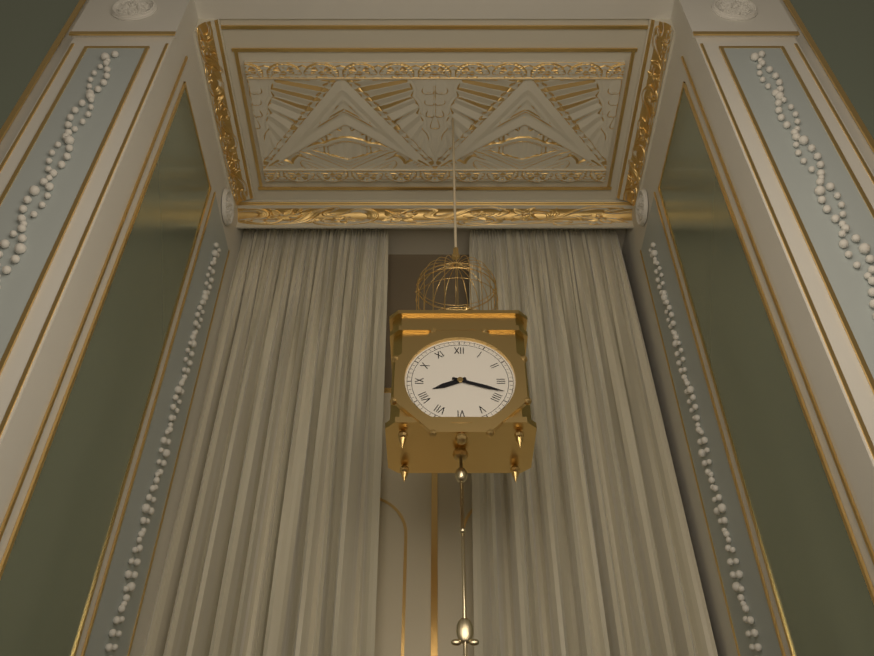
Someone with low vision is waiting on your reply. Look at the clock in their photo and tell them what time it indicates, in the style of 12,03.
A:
8,18
